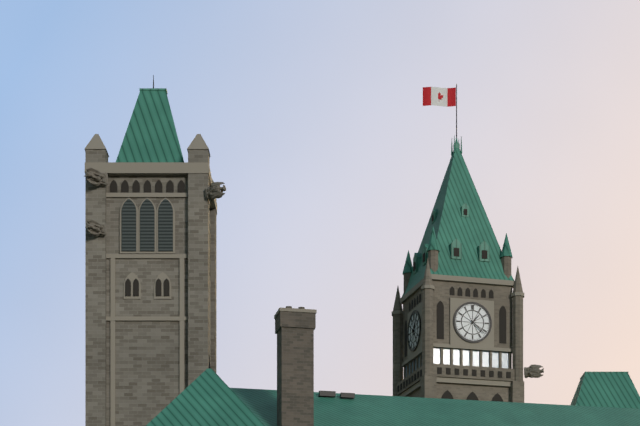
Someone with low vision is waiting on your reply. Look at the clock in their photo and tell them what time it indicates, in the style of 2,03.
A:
1,22
